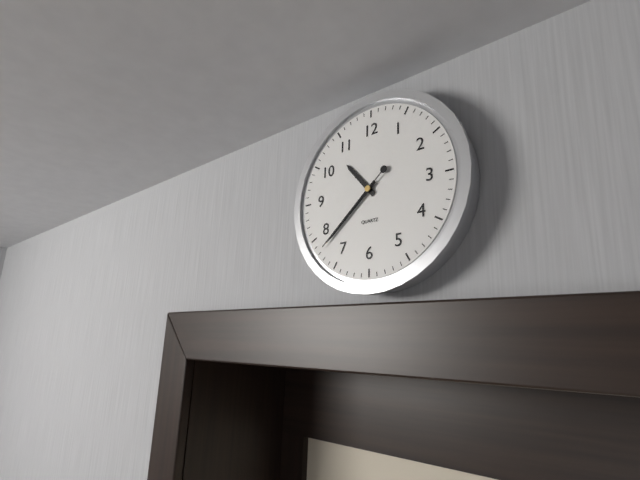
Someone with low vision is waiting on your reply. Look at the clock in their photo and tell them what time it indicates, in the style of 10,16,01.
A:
10,38,38
